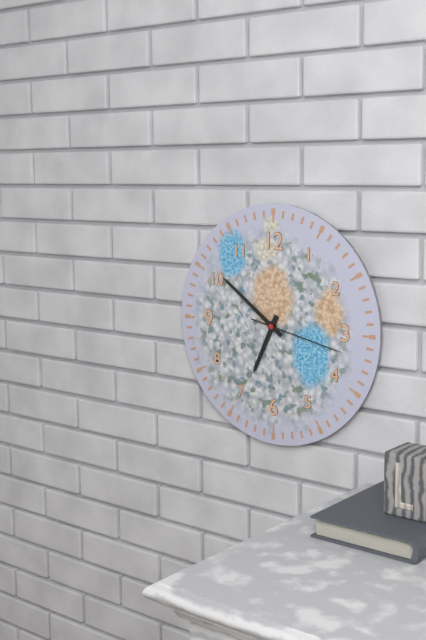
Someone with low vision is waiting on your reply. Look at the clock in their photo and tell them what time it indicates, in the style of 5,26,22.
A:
6,51,17
